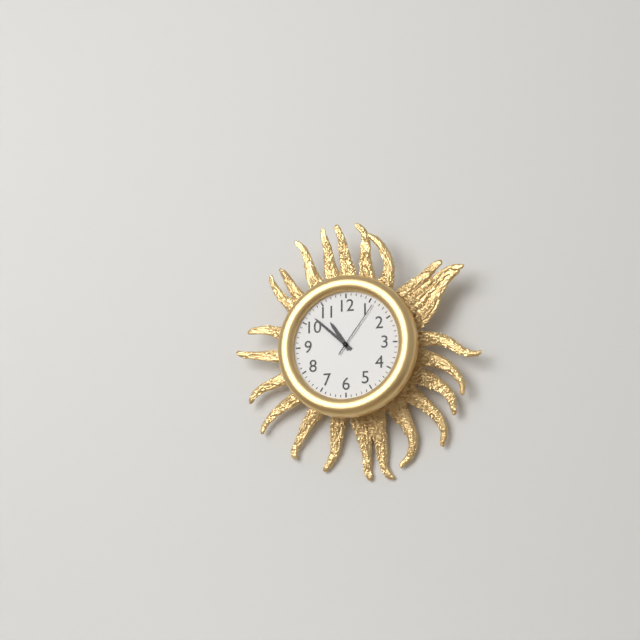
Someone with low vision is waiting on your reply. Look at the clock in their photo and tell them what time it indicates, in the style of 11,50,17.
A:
10,52,06
